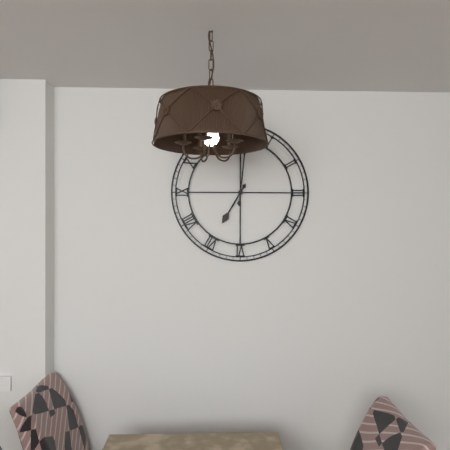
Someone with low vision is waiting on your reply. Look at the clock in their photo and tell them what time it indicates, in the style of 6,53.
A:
7,01
